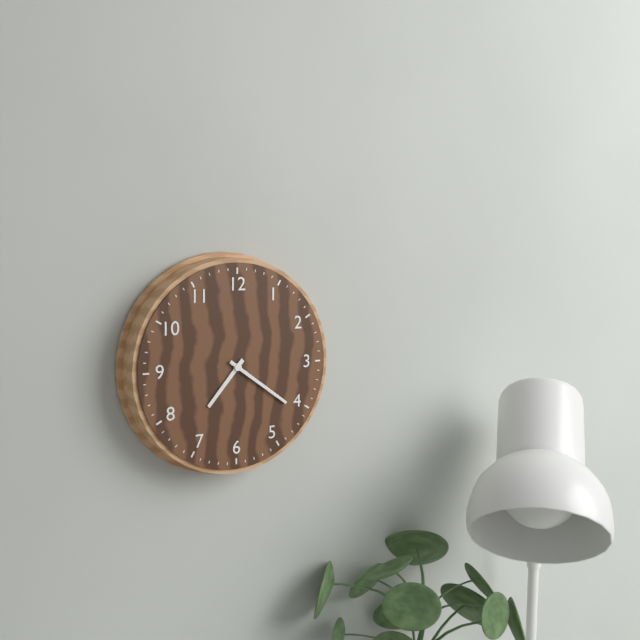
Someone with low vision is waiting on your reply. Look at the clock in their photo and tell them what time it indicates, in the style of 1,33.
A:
7,21
